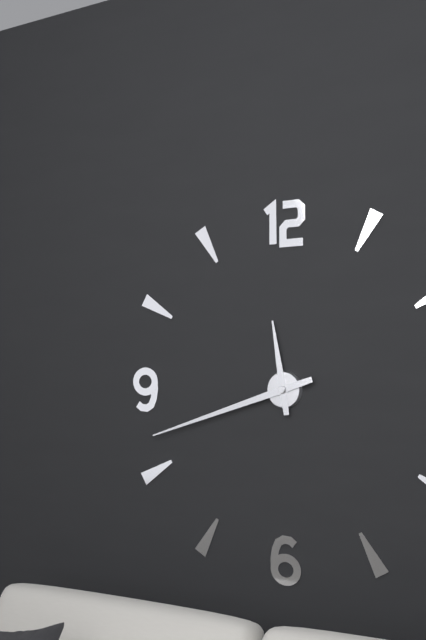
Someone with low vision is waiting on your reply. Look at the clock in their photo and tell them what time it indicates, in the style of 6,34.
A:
11,42
